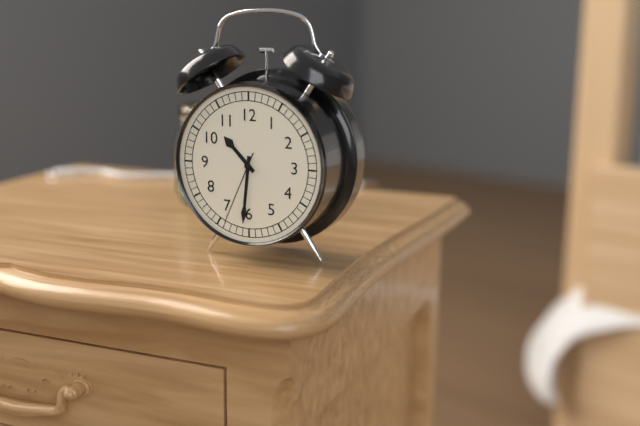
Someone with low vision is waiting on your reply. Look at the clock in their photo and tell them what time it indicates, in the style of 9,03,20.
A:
10,31,34
